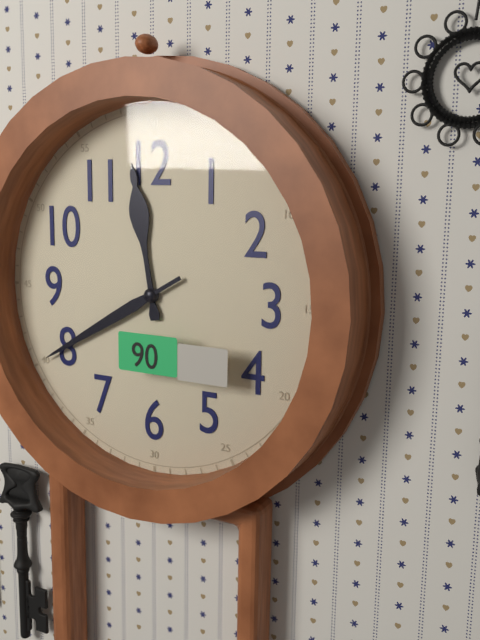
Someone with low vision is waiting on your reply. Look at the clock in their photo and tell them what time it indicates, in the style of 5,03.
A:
11,40
